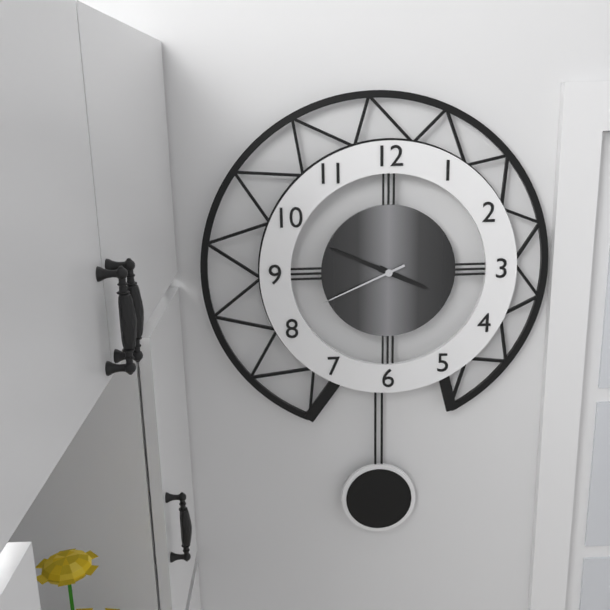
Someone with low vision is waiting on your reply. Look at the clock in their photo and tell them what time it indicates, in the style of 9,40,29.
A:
3,49,41
